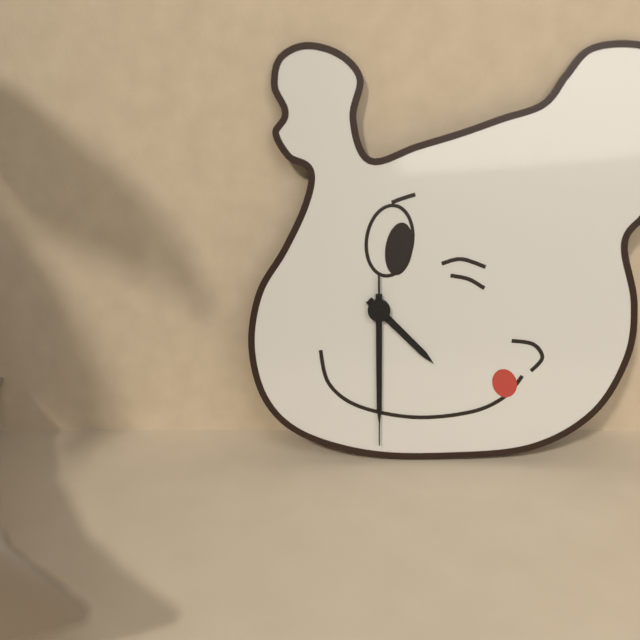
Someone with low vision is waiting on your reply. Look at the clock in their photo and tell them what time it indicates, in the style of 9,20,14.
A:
4,30,30
